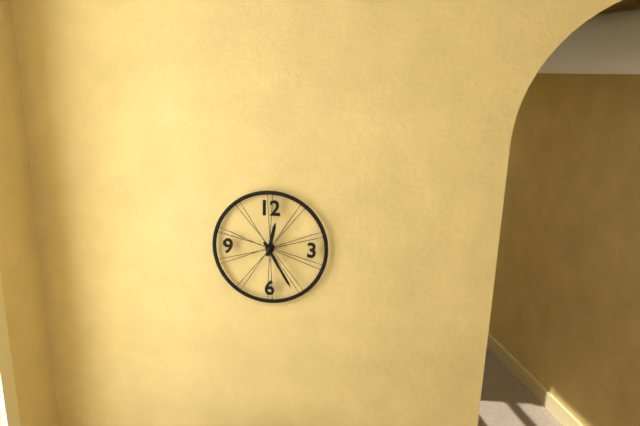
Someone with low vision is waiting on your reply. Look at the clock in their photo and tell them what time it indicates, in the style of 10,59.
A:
12,25
